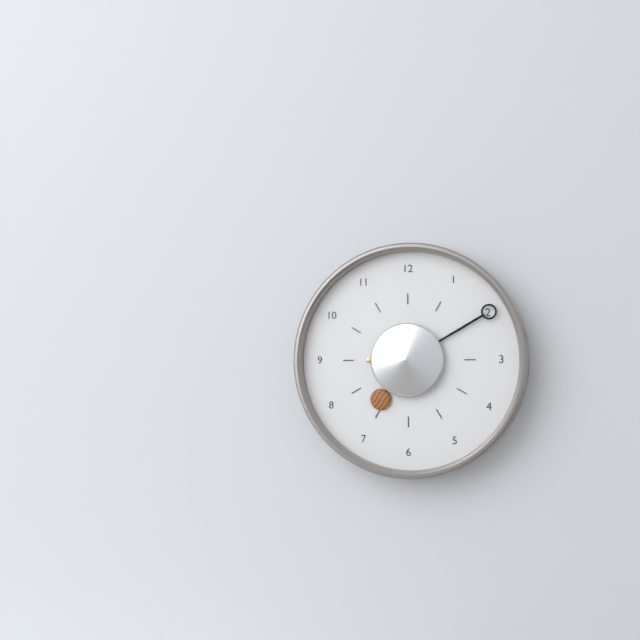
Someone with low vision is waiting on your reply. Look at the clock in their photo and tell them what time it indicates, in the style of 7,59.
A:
7,10
